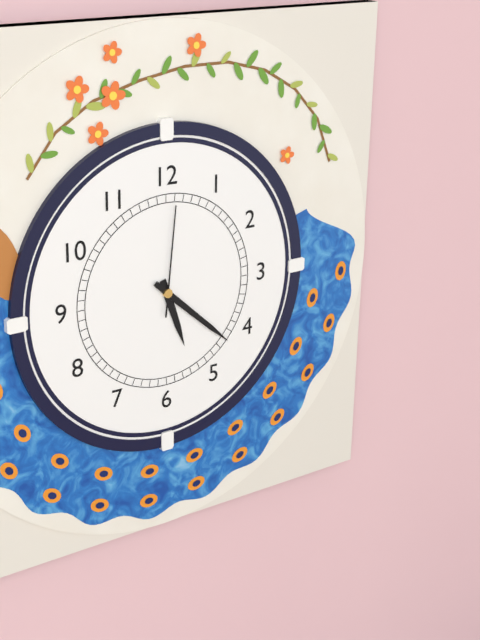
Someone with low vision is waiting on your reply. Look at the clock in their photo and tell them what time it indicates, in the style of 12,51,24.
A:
5,22,01
